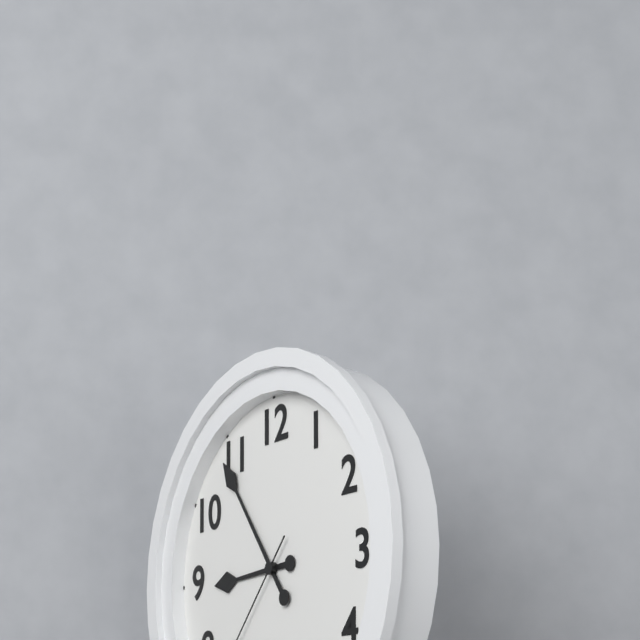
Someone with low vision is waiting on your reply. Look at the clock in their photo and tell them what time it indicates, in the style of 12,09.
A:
8,54
